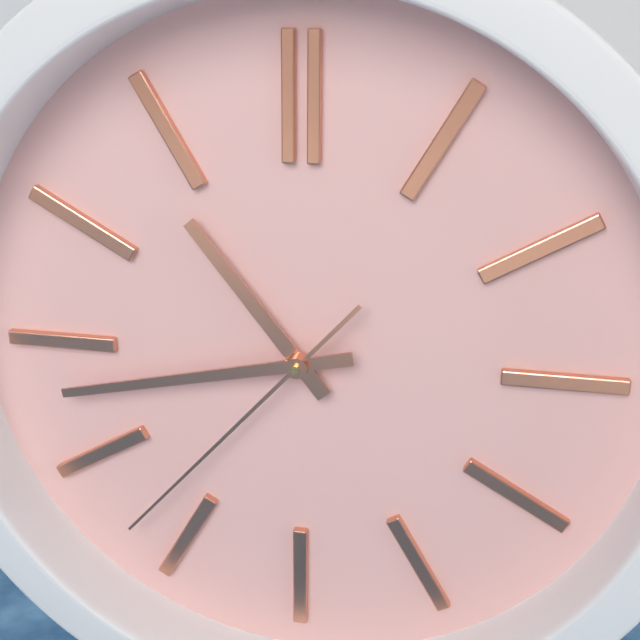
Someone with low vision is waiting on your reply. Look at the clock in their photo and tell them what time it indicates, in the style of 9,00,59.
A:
10,43,37
